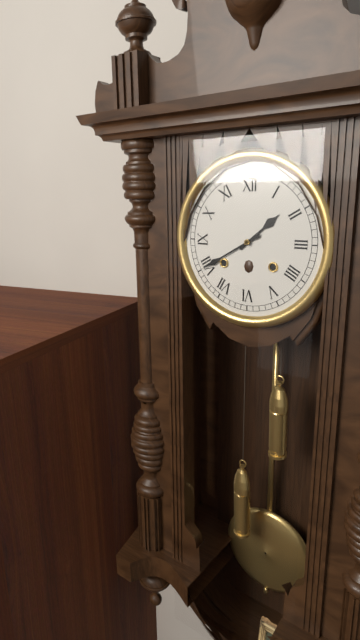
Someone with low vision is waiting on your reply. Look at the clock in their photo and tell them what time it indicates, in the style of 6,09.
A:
1,40
